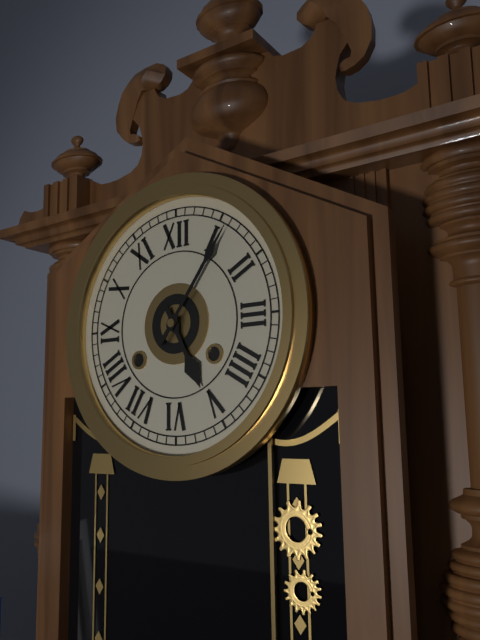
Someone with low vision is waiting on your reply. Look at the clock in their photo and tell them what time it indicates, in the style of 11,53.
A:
5,06
